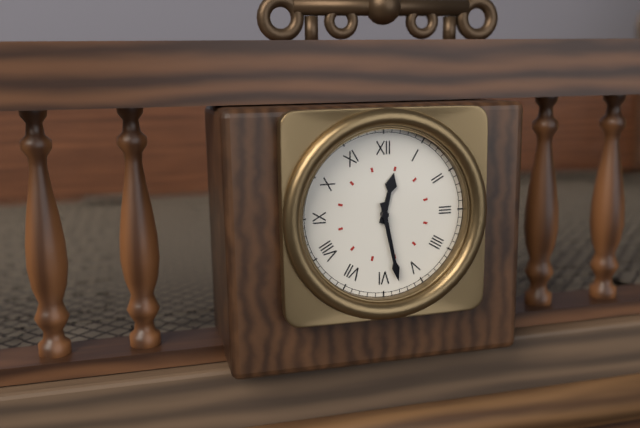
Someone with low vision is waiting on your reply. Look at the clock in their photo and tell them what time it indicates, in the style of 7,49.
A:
12,28
